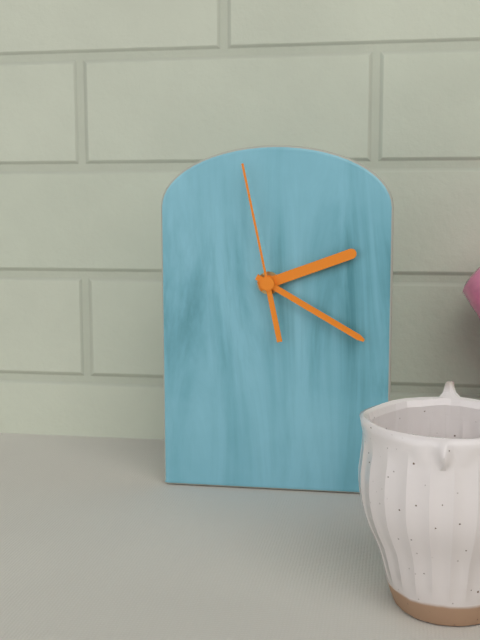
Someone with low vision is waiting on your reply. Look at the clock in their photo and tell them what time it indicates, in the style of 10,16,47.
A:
2,20,58
